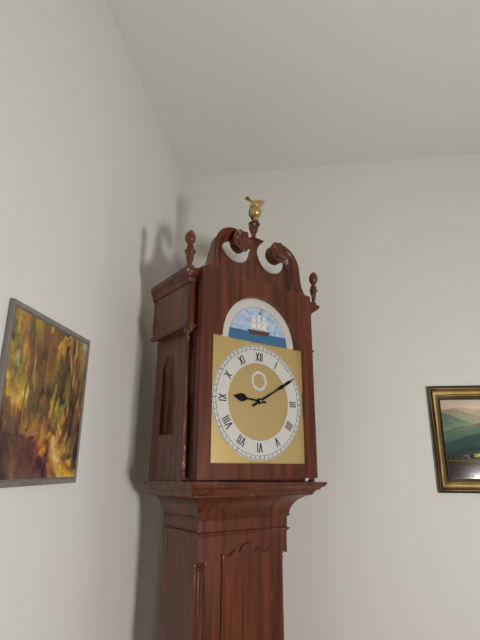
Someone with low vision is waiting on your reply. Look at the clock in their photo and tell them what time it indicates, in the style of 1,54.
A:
9,10
